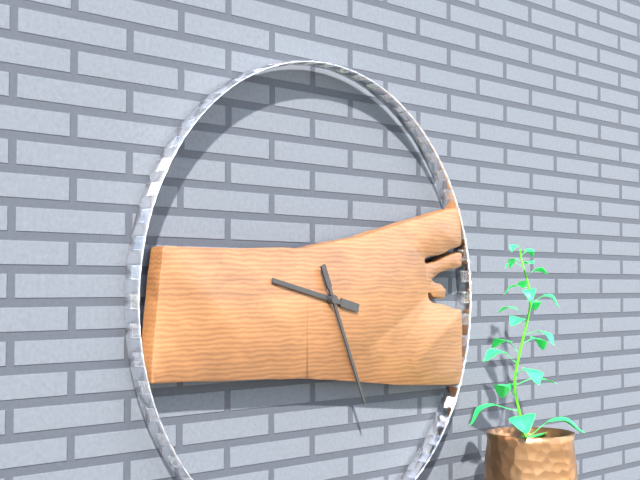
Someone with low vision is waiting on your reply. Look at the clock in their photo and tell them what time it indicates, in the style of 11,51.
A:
9,26
